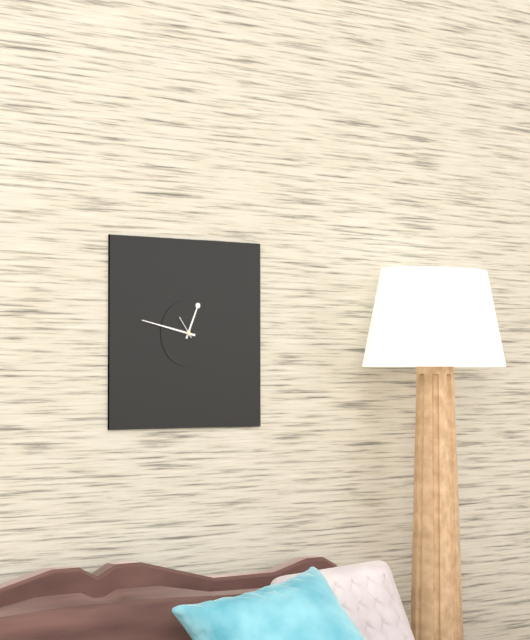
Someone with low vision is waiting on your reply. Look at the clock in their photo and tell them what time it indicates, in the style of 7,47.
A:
12,47
